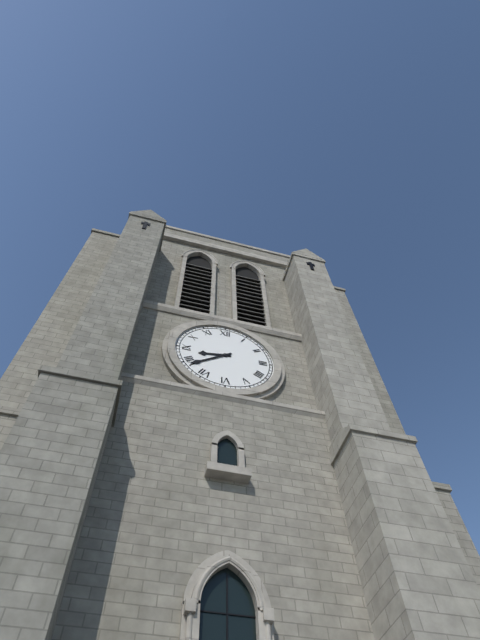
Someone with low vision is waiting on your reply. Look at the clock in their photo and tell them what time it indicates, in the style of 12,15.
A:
8,39
